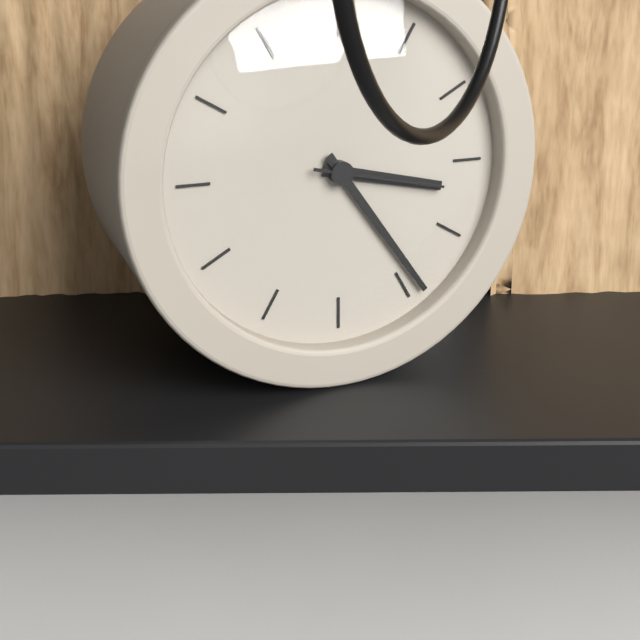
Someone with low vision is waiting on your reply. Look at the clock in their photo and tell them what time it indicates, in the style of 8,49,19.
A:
3,24,17
